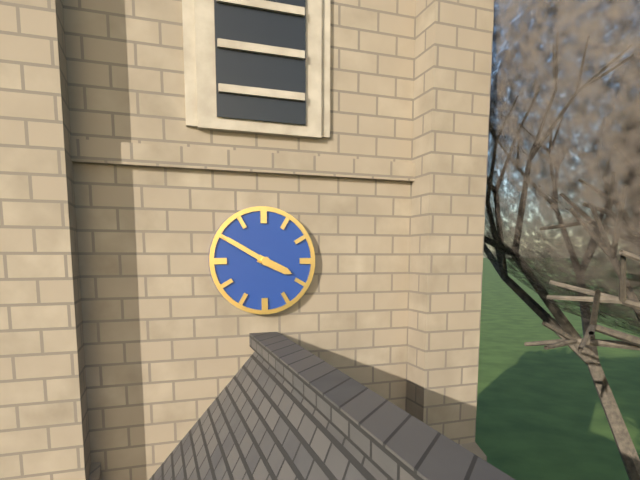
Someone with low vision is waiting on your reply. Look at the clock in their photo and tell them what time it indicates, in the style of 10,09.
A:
3,50
